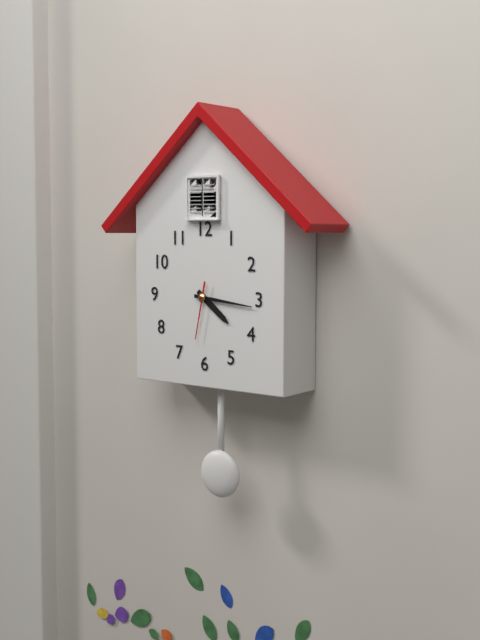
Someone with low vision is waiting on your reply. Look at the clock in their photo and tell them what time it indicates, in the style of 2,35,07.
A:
4,16,32
